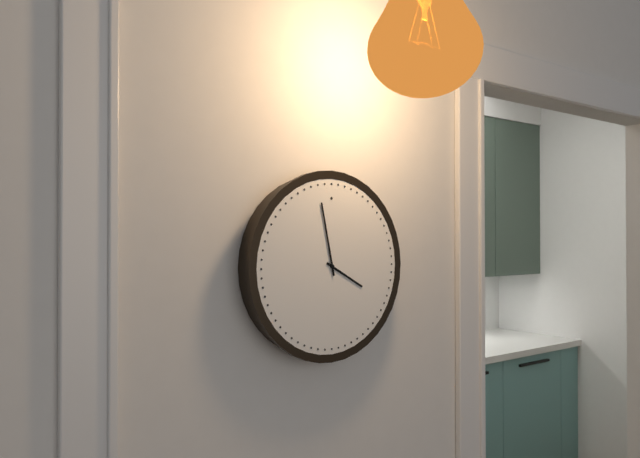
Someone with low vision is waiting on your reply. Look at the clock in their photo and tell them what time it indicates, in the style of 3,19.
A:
3,58
